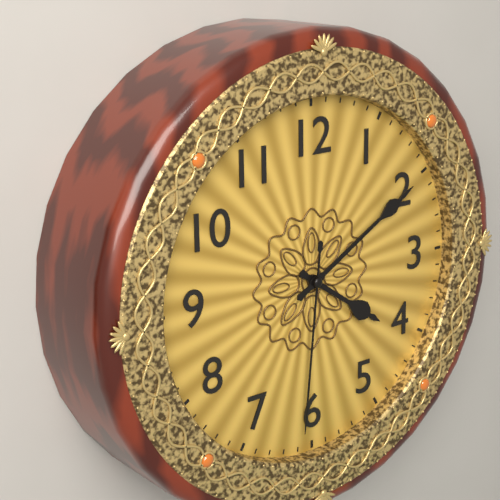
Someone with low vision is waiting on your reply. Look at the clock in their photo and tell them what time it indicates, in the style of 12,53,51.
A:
4,10,31
